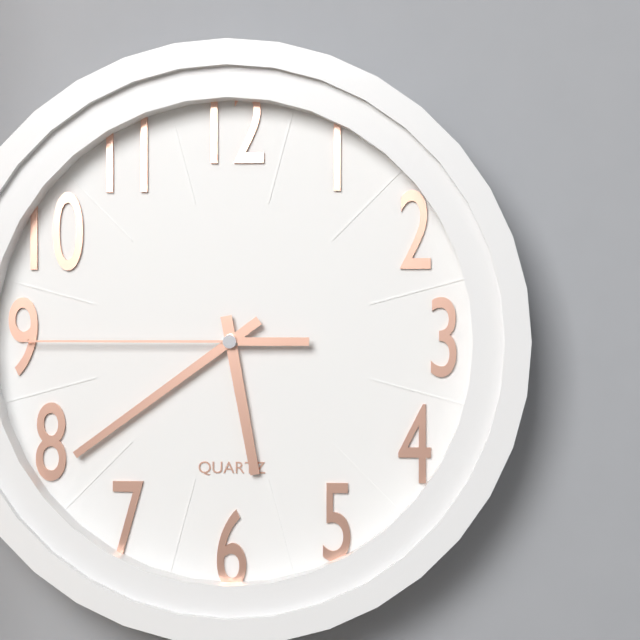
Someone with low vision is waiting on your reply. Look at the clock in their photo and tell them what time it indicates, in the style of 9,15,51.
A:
5,39,45
